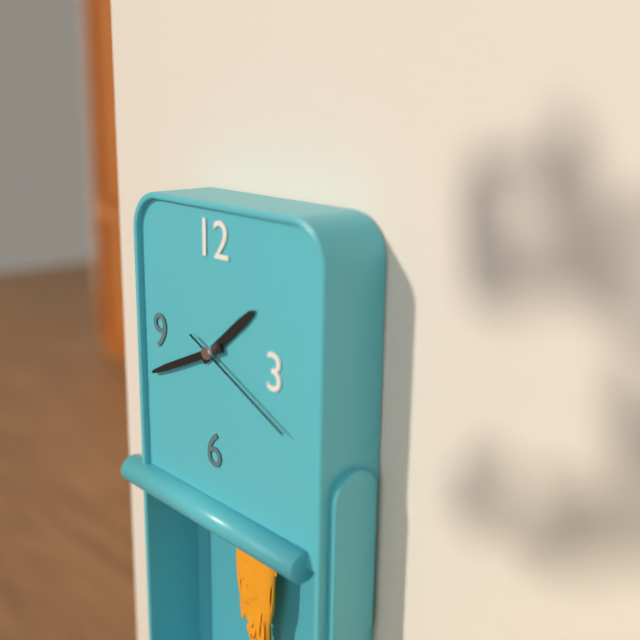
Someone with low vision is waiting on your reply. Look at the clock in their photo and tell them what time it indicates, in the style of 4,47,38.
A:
1,41,19
